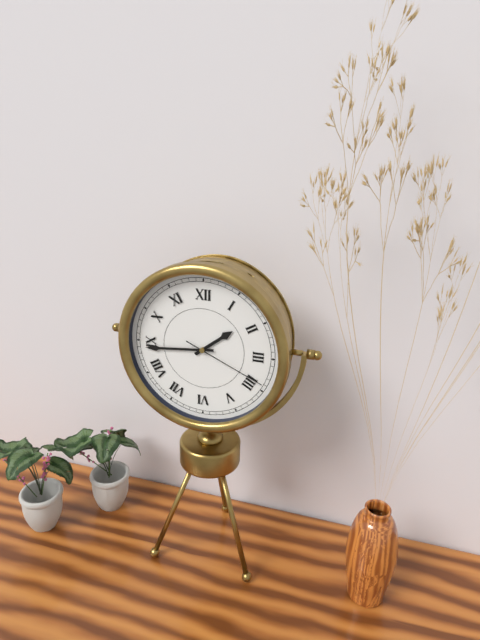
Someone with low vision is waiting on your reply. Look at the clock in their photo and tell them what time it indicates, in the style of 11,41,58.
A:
1,44,19
